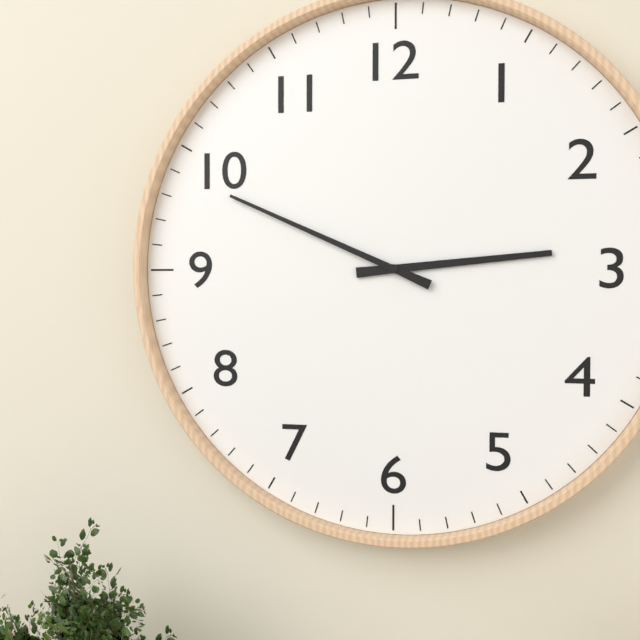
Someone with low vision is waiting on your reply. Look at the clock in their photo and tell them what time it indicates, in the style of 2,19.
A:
2,49
